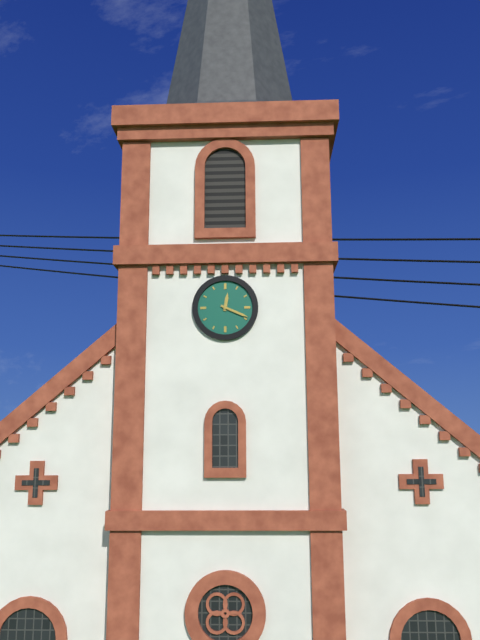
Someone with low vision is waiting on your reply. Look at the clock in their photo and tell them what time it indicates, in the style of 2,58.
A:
12,19
